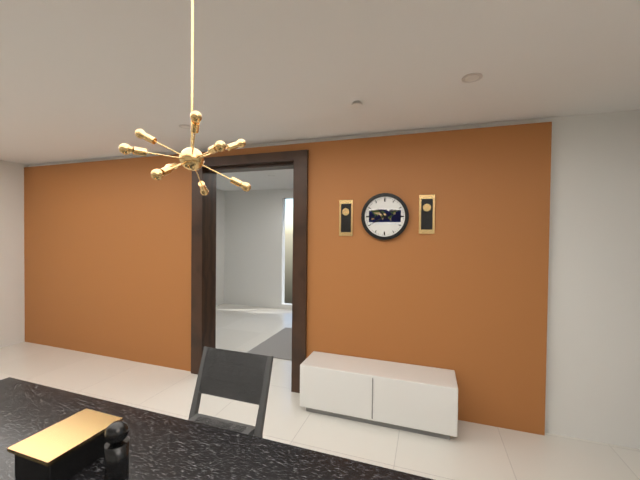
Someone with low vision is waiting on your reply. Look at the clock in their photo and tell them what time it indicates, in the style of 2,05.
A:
10,40
